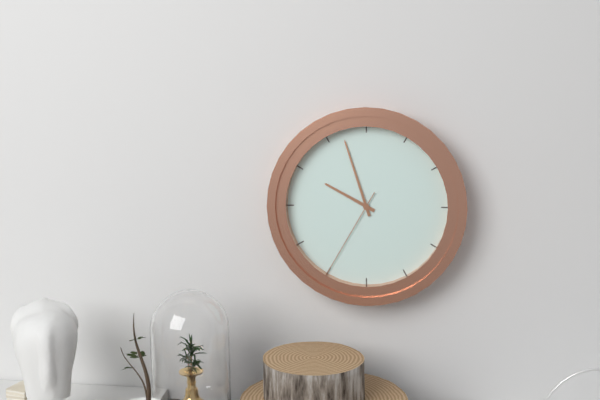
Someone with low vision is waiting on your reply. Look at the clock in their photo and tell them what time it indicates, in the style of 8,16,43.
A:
9,57,35
